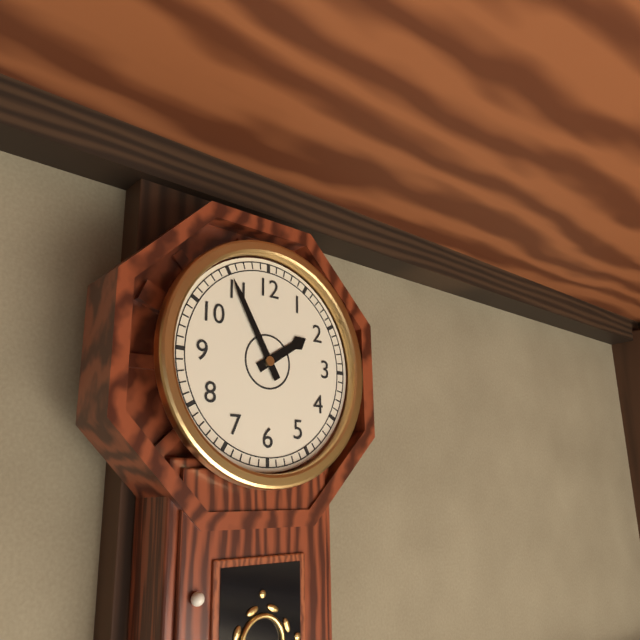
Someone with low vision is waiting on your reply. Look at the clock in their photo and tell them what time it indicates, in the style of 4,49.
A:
1,55
